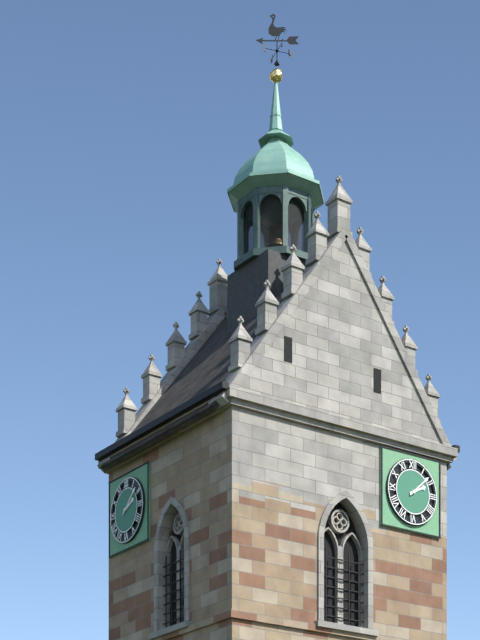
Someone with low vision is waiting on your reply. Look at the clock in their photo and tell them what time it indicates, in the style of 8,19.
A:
2,08
